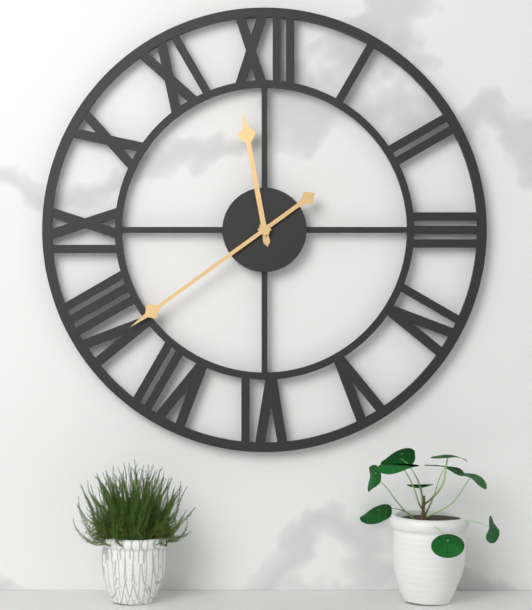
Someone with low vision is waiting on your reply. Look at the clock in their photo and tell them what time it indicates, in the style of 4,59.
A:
11,39
